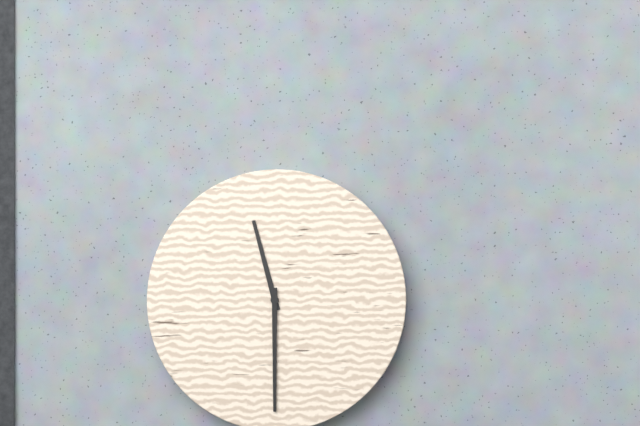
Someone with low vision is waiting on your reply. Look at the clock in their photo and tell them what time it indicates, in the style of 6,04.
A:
11,30
